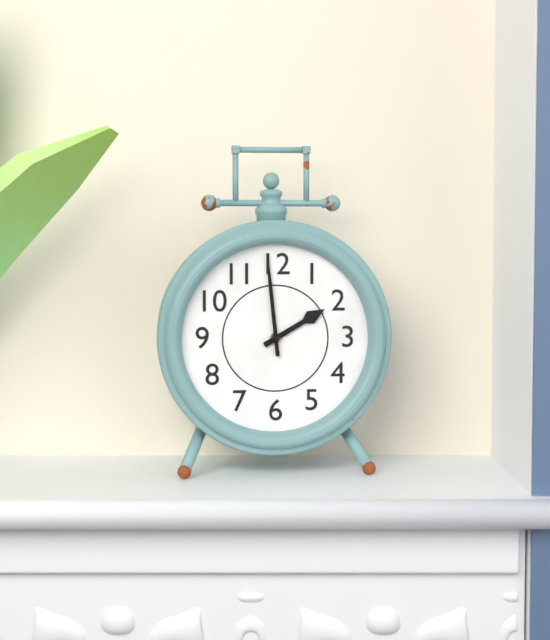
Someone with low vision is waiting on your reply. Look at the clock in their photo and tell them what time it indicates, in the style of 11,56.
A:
1,59
